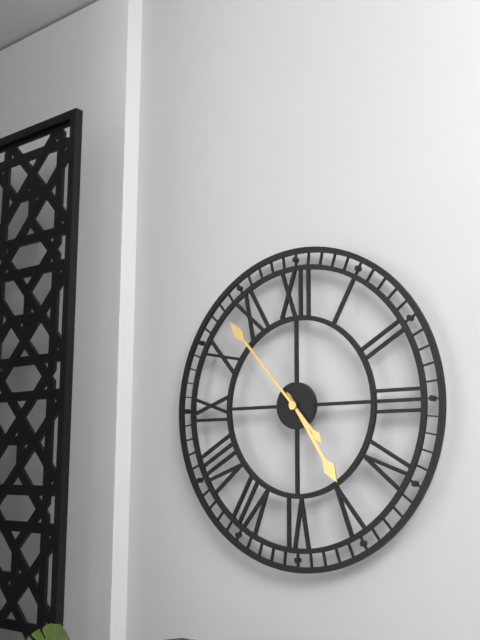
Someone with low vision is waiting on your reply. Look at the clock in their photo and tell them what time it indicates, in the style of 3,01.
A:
4,53
